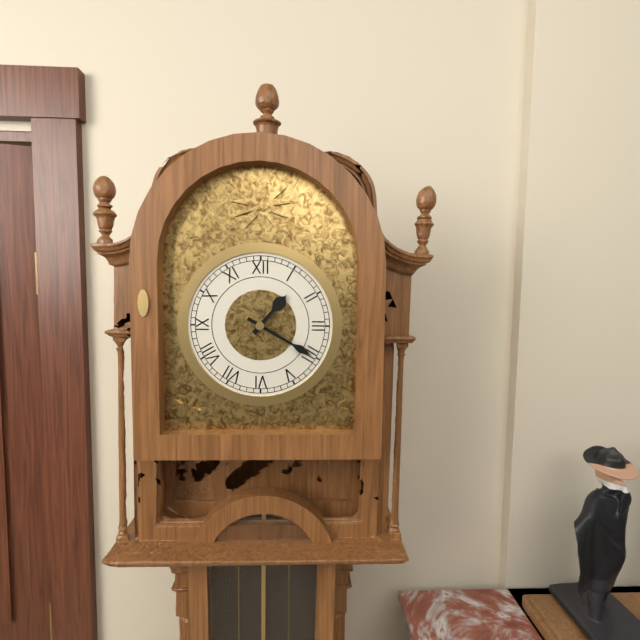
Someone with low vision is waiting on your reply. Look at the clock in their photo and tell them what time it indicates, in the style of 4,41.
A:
1,20
